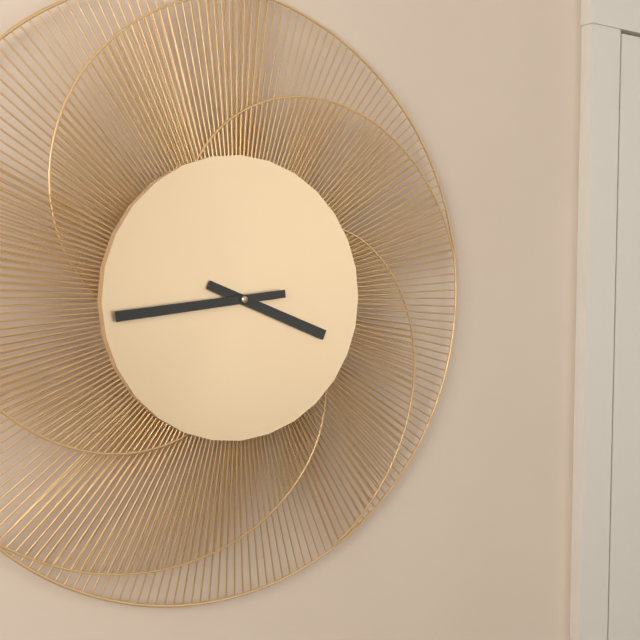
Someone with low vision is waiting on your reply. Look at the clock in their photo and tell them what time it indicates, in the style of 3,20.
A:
3,44
